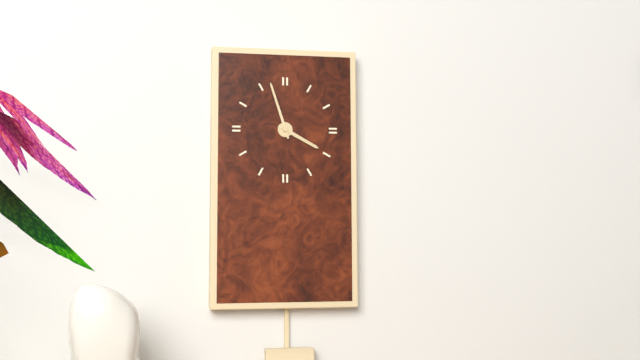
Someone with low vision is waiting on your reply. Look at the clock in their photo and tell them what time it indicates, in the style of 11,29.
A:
3,57
